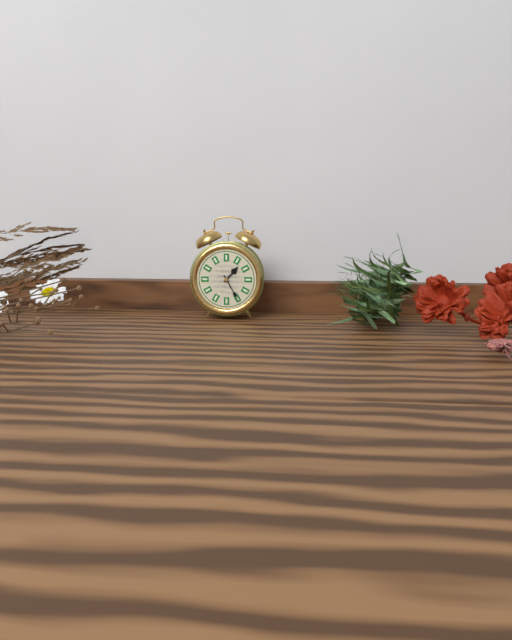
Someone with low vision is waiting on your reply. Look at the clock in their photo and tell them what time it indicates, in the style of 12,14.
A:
1,25
